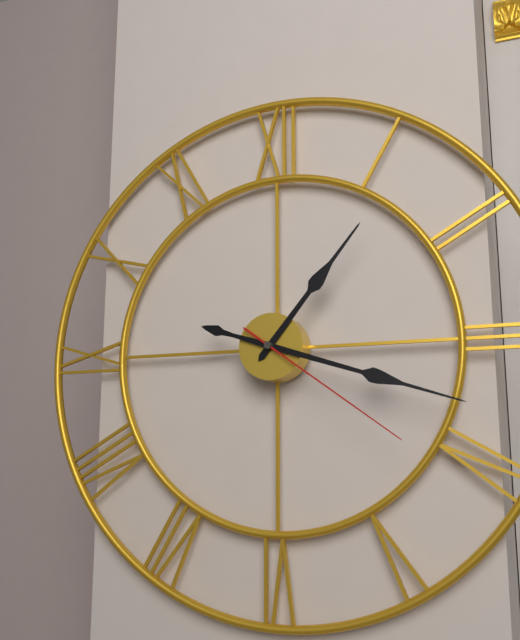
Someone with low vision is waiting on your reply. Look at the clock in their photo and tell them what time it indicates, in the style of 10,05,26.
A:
1,18,21
